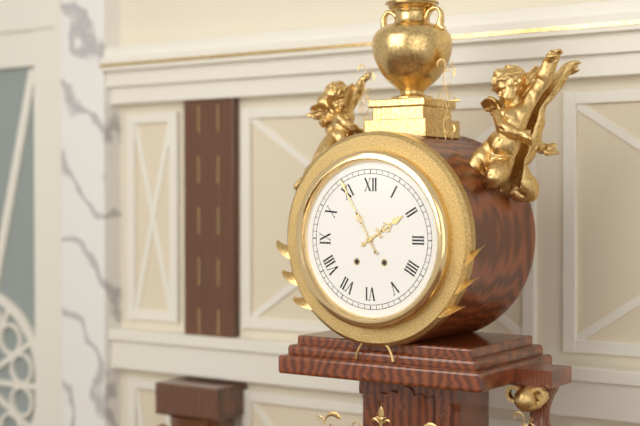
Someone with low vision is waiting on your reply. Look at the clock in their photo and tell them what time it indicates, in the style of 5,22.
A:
1,55
